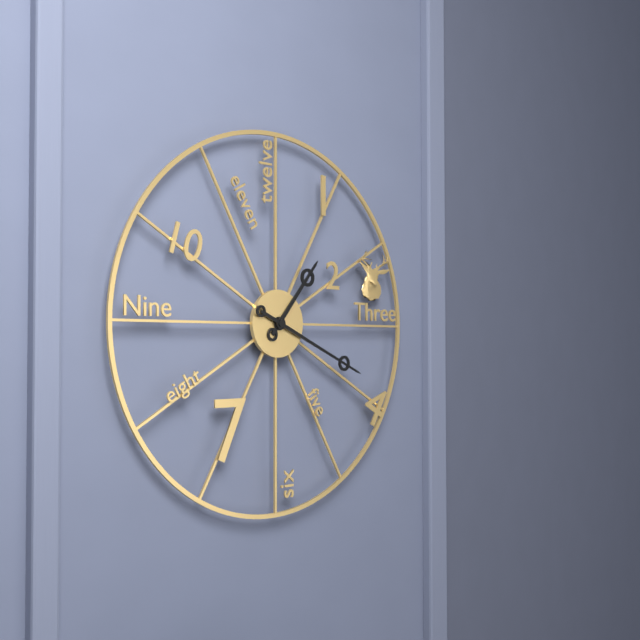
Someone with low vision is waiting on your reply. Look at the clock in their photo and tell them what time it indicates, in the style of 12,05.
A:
1,19
